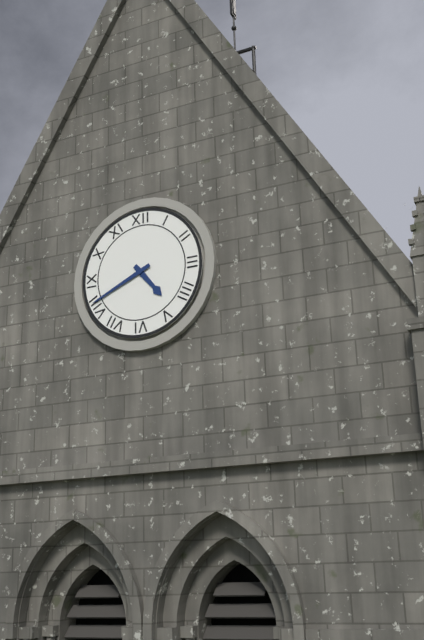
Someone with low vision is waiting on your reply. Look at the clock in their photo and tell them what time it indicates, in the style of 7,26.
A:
4,41
